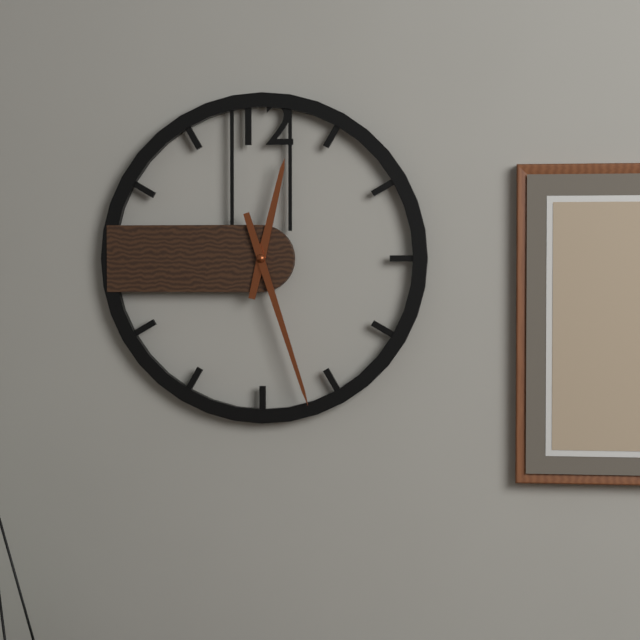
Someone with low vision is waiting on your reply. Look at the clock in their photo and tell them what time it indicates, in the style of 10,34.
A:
12,27
